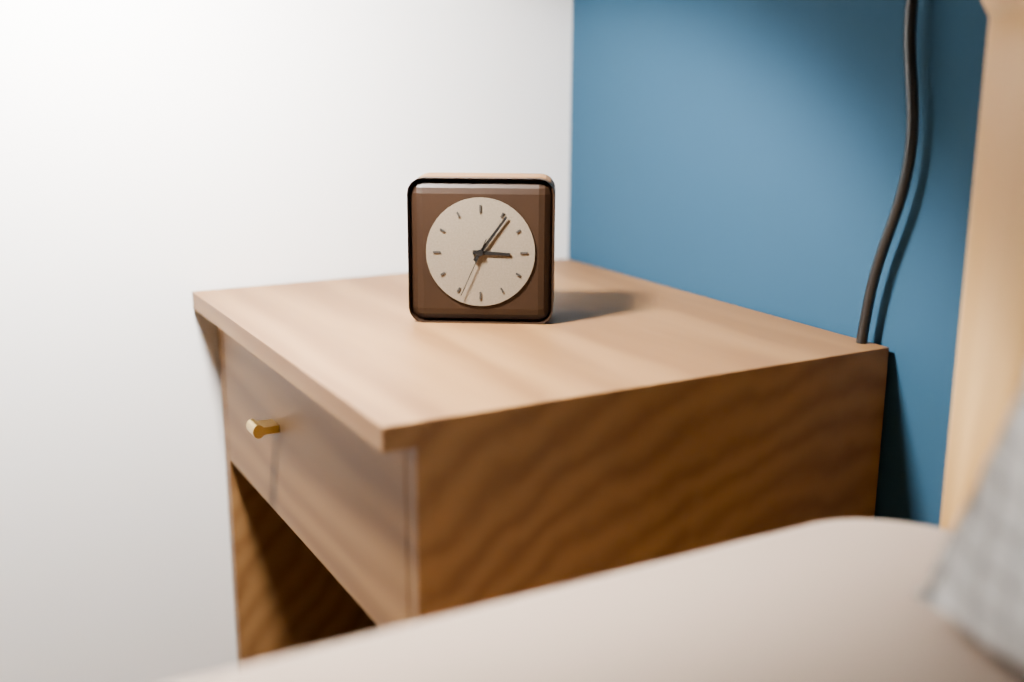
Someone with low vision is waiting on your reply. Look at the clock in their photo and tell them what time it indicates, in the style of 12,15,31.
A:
3,06,34
